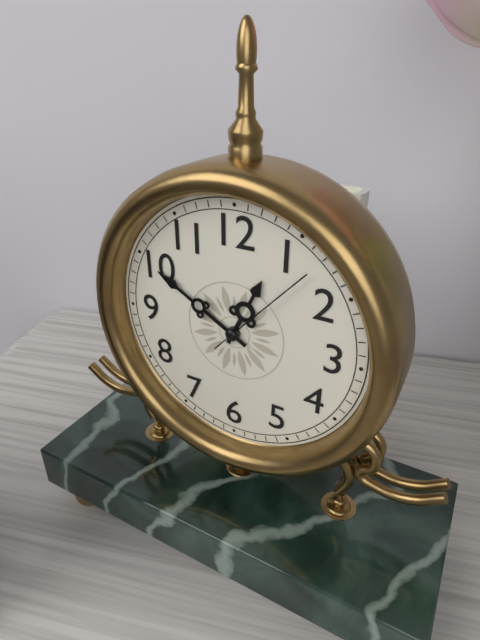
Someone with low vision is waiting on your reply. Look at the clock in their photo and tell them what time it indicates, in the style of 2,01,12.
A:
12,50,07
